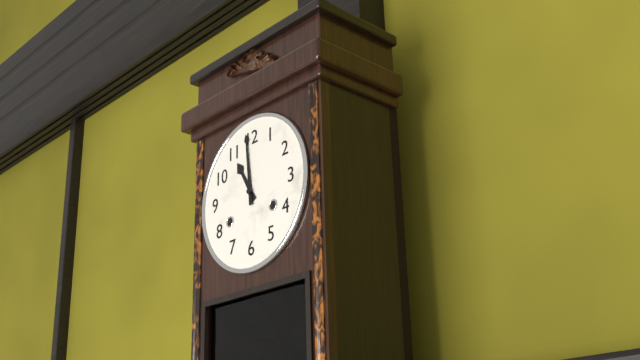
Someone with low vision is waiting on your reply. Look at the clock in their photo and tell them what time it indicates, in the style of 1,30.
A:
10,59
